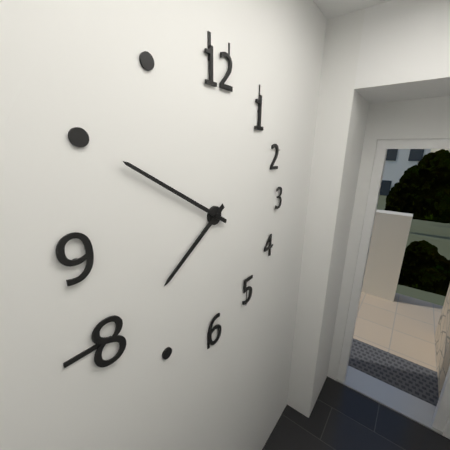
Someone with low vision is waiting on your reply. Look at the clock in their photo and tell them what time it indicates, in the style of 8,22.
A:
7,50
